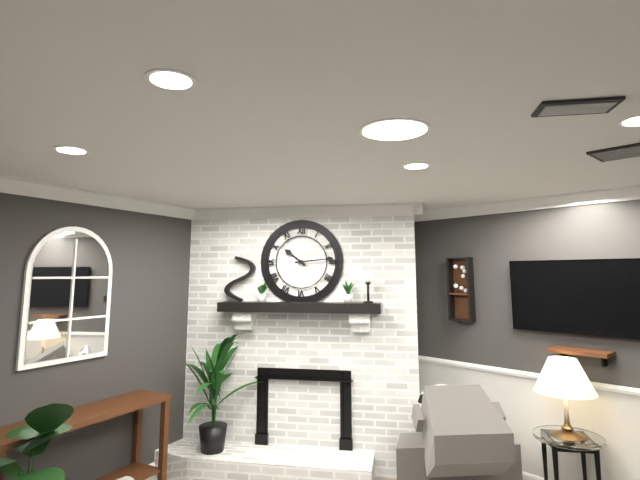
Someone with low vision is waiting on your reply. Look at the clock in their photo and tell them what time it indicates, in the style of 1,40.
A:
10,14
